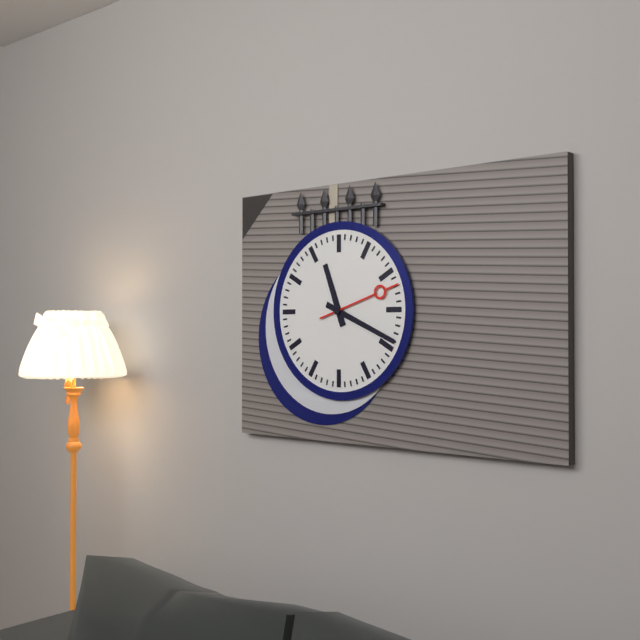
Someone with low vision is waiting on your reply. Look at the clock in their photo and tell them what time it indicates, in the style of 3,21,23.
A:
11,19,12
